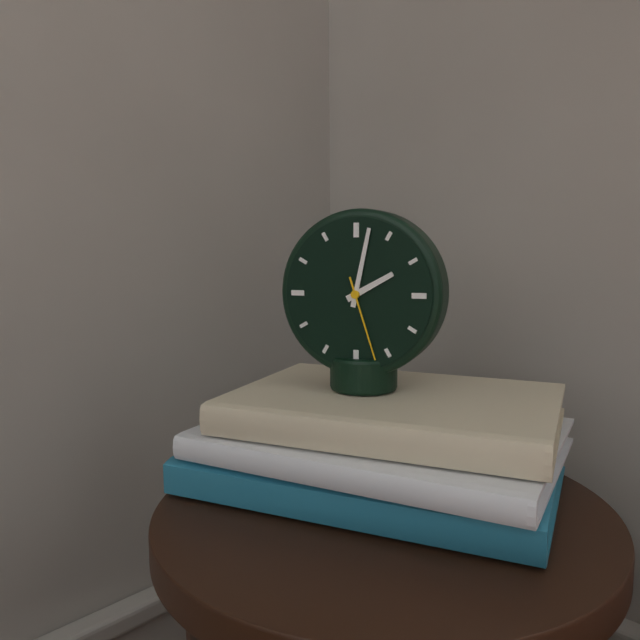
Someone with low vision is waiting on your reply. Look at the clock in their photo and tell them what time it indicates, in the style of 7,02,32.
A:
2,02,27
